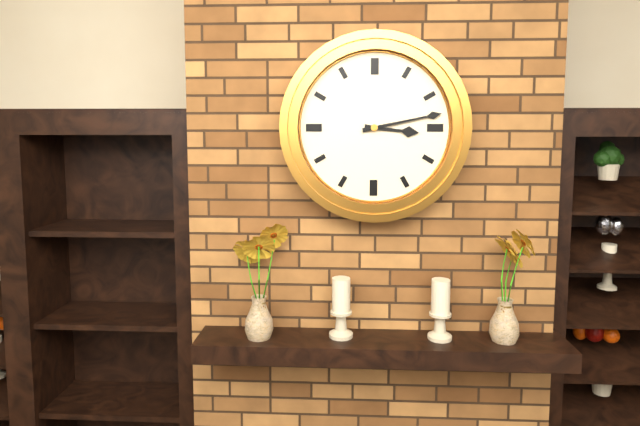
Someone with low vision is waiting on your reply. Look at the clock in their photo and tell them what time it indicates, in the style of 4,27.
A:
3,13
